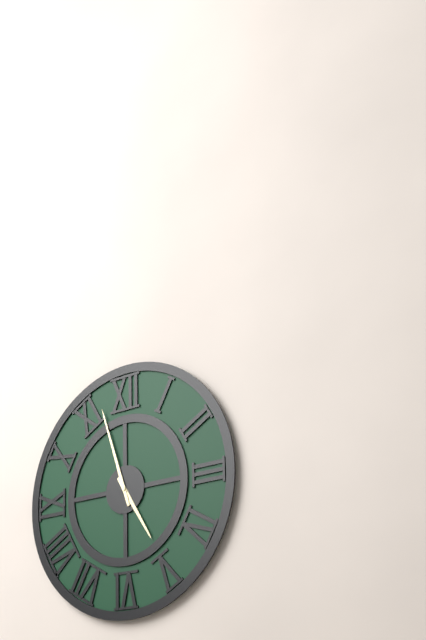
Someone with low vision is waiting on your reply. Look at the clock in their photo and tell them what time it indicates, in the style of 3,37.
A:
4,57
